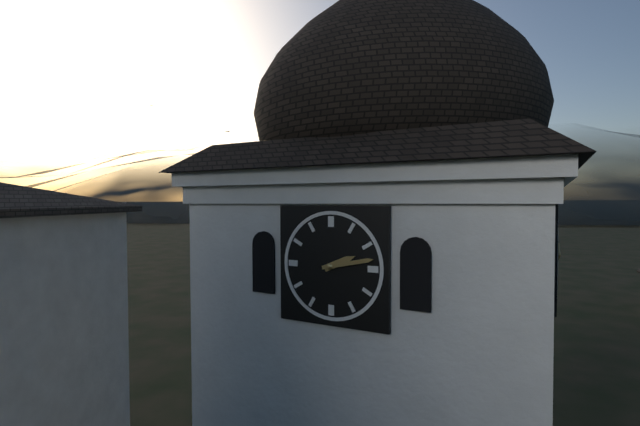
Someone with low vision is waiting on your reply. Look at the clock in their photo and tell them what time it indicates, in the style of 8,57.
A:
2,13
